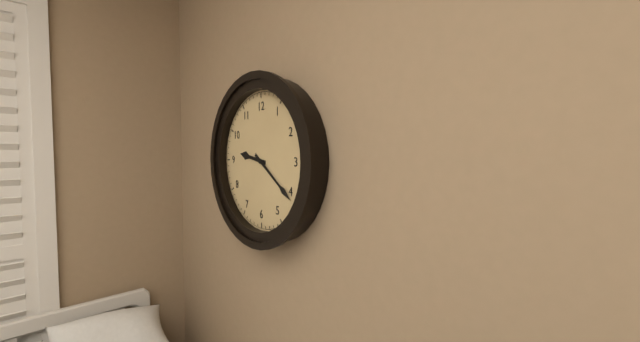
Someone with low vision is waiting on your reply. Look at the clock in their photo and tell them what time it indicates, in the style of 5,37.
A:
9,21
